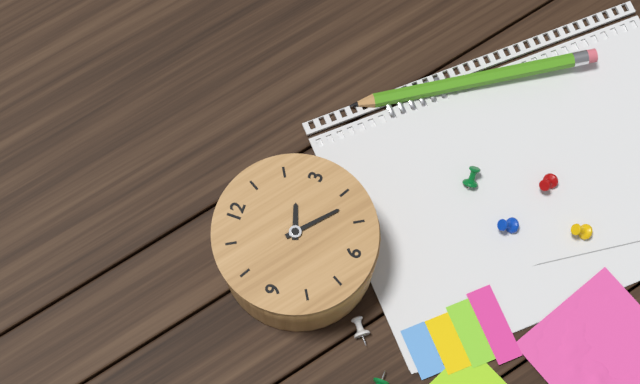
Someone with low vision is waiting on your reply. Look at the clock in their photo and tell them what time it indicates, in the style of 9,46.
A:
2,22
